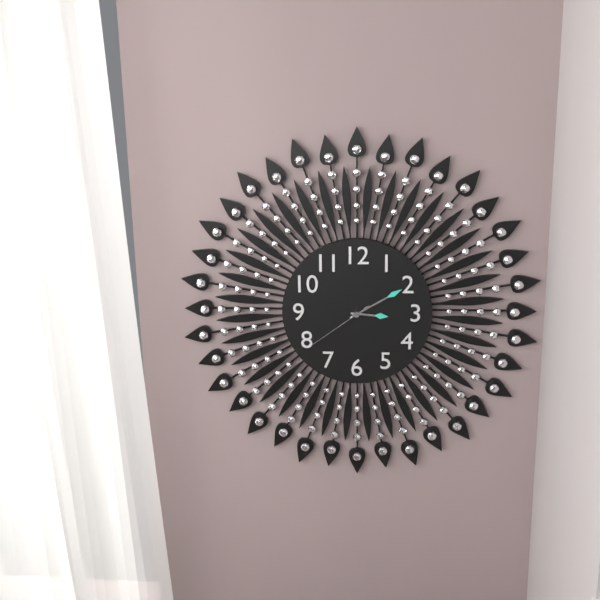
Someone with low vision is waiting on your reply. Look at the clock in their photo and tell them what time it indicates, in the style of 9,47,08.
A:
3,10,39
